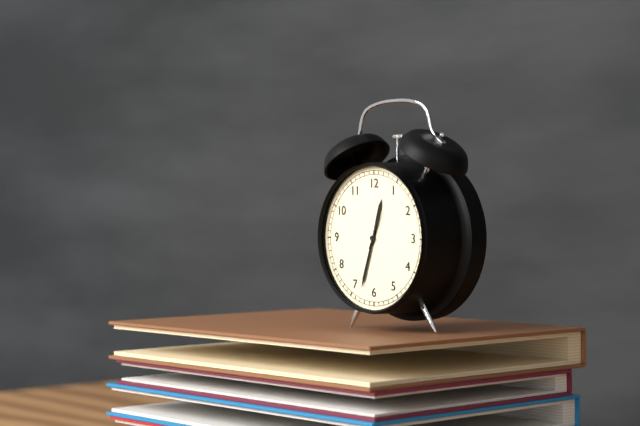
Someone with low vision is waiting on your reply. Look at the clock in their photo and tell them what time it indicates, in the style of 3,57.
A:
12,33
